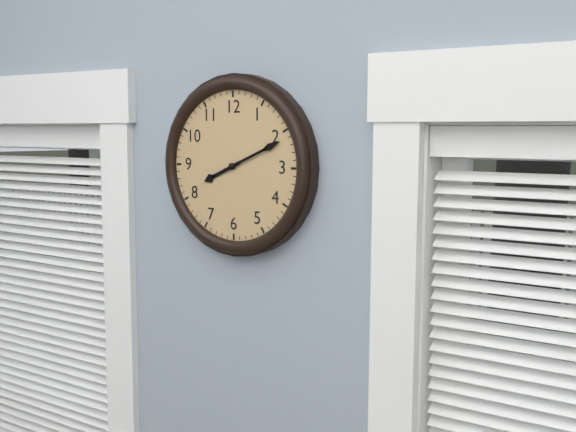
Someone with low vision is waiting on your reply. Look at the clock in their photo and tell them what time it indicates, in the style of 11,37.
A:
8,11
